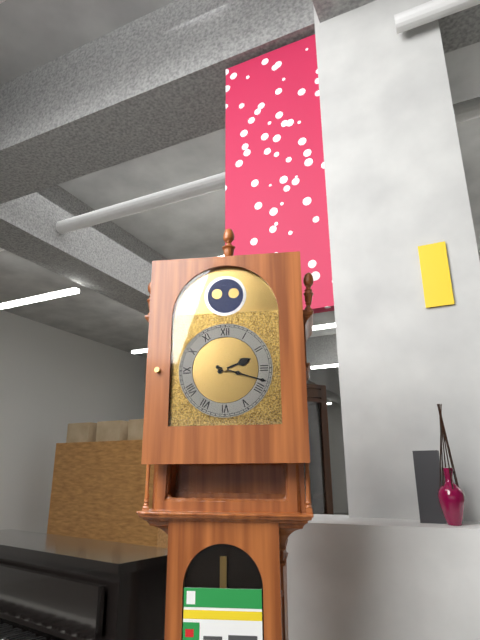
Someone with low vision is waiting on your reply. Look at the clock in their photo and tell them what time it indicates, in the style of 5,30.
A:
2,18
